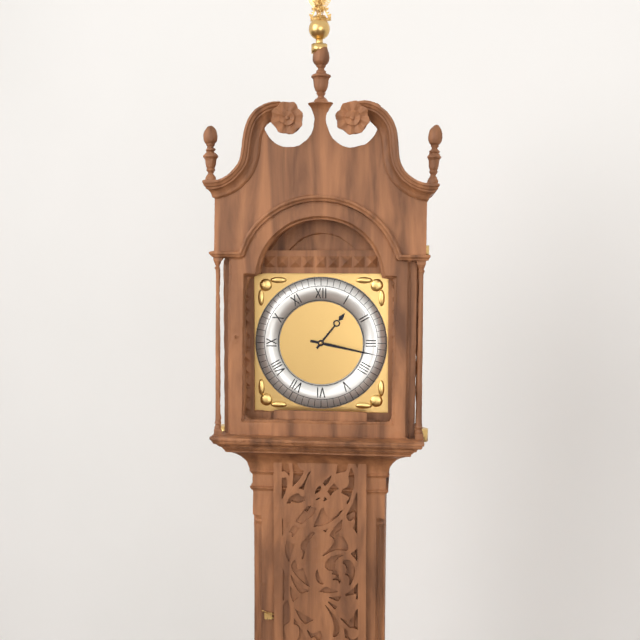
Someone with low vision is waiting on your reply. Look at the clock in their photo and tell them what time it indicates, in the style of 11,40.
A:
1,17
